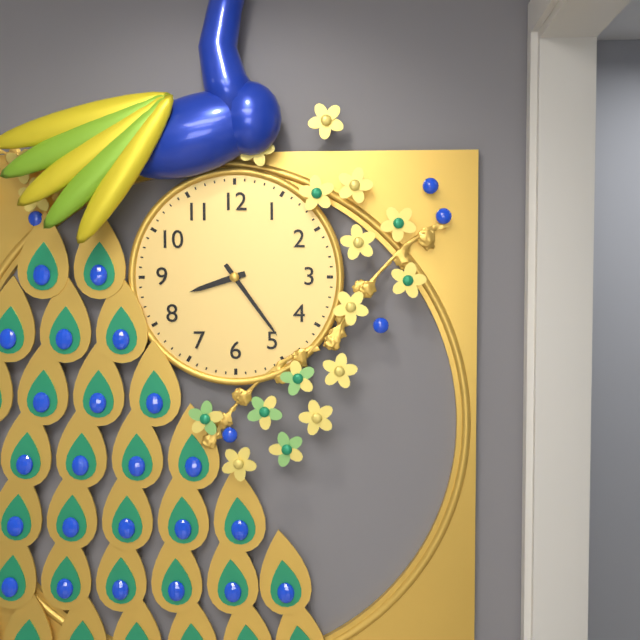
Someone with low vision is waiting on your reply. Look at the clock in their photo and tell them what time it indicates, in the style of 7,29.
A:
8,24
